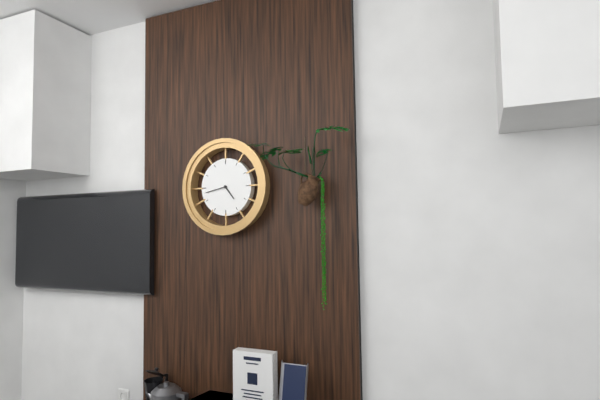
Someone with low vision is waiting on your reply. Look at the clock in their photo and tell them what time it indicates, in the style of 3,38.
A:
4,43
